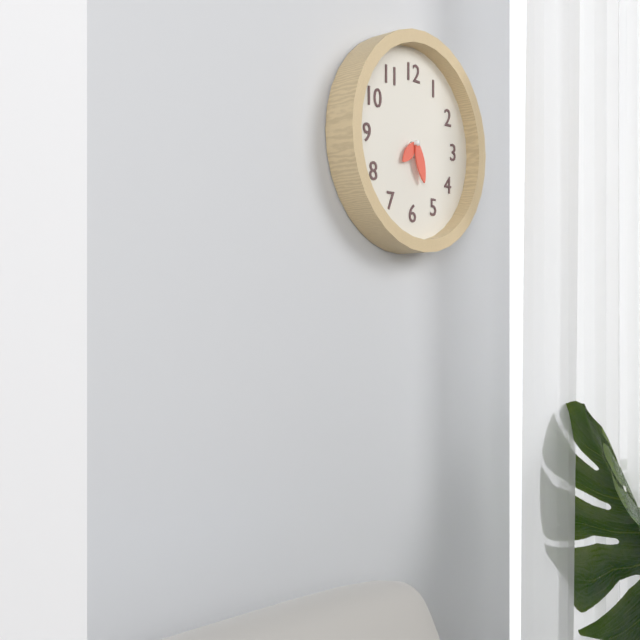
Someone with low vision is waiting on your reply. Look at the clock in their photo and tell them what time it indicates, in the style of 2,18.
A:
7,27
